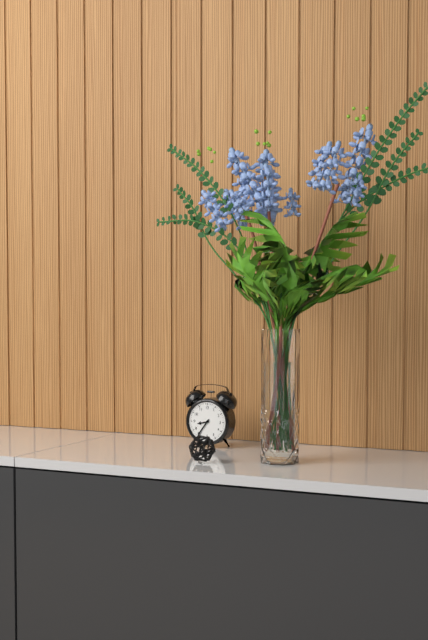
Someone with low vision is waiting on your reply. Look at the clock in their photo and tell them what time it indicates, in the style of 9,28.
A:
8,36
